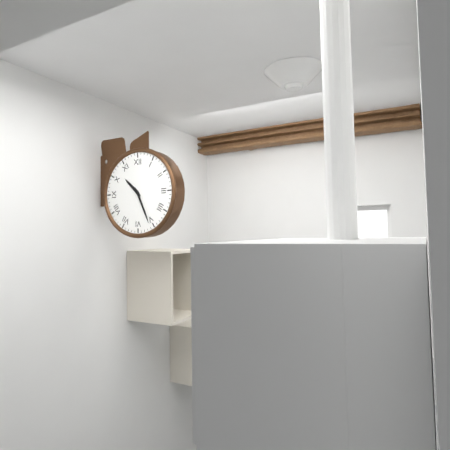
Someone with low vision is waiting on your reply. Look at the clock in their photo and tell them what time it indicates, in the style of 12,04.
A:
10,26
